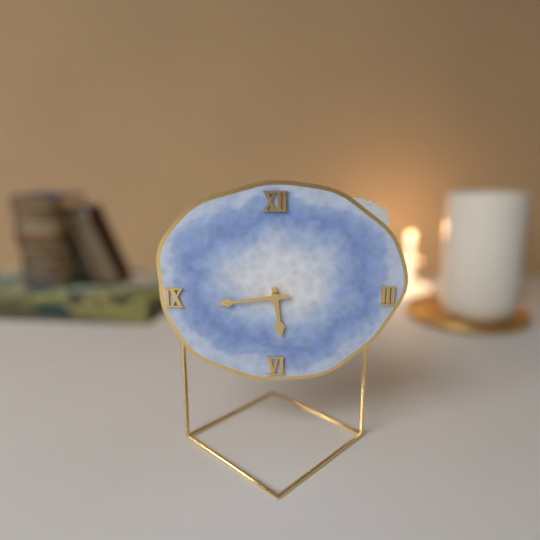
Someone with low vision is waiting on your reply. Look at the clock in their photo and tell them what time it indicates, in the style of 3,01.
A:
5,44
